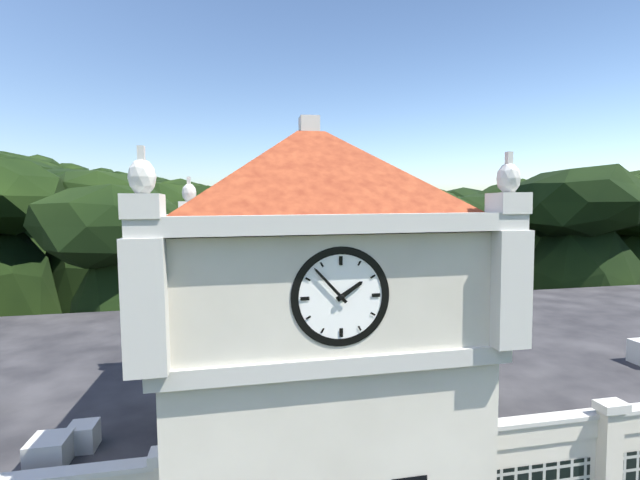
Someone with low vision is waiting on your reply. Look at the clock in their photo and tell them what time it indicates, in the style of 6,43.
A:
1,53
